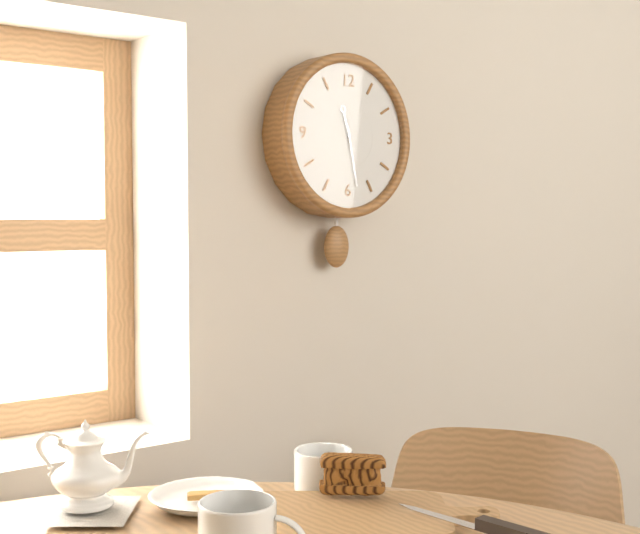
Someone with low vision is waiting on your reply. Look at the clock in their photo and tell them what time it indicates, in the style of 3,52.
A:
11,28
